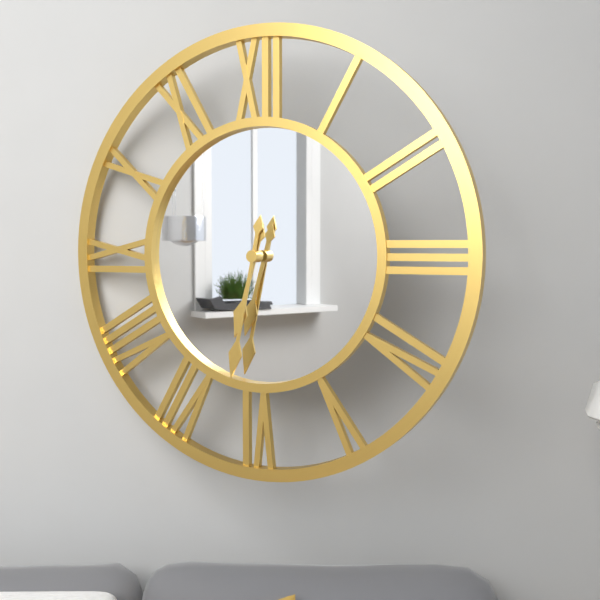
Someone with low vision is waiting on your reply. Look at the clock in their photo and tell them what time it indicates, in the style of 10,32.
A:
6,32
